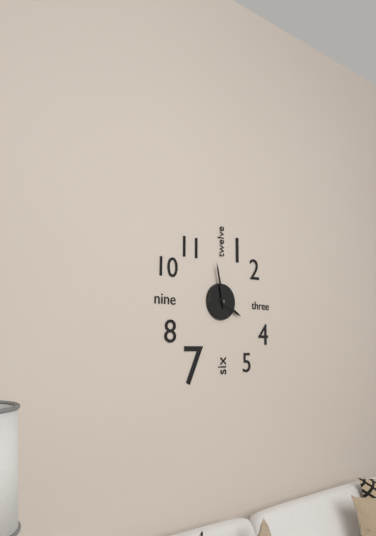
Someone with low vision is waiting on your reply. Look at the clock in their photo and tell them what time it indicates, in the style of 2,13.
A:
3,58
